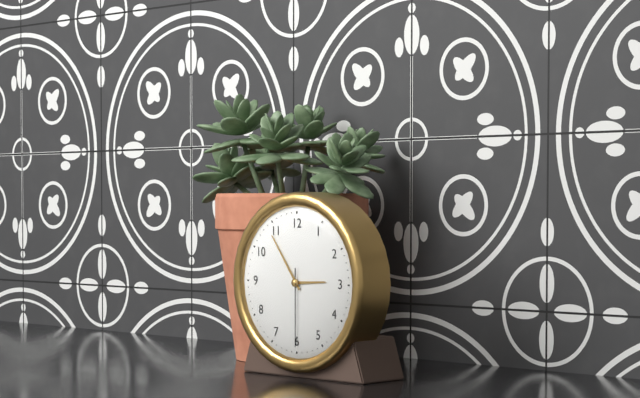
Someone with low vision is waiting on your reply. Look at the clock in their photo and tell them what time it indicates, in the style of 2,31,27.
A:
2,54,30
